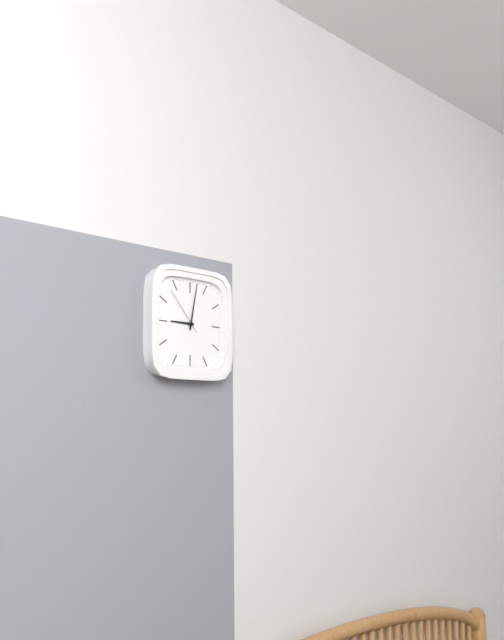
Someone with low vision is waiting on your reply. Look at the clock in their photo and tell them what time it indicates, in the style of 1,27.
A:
9,02
